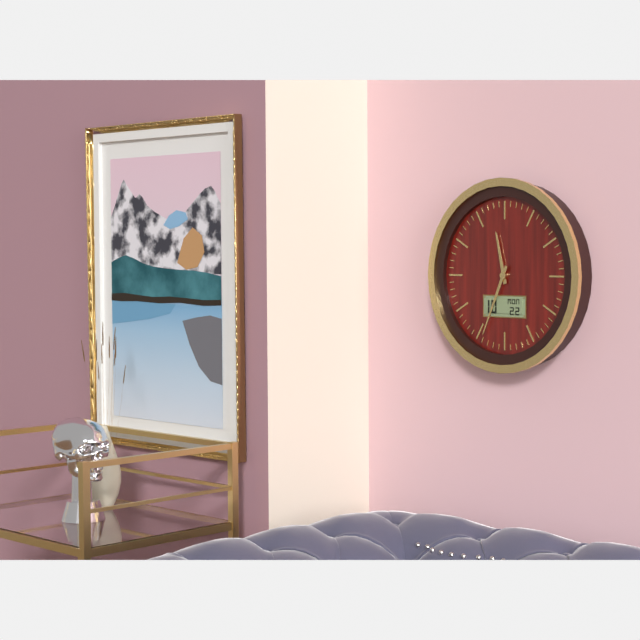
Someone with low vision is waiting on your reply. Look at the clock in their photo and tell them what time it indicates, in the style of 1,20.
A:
11,34
